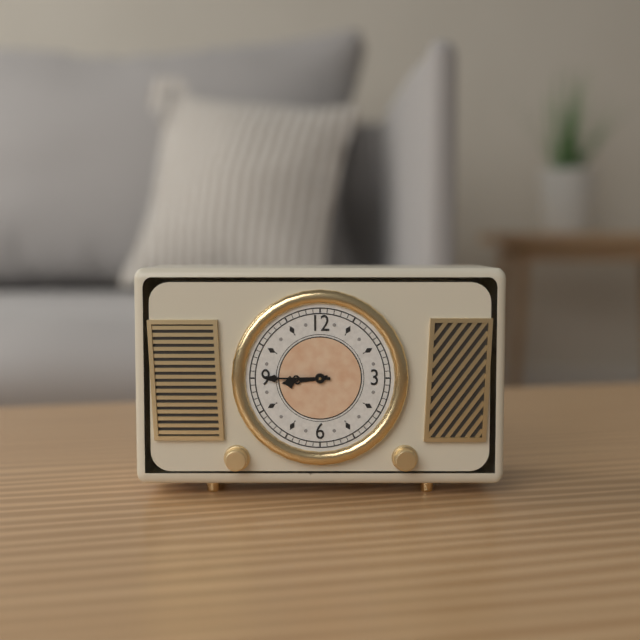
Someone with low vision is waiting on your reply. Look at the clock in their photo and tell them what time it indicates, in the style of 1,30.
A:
8,45
